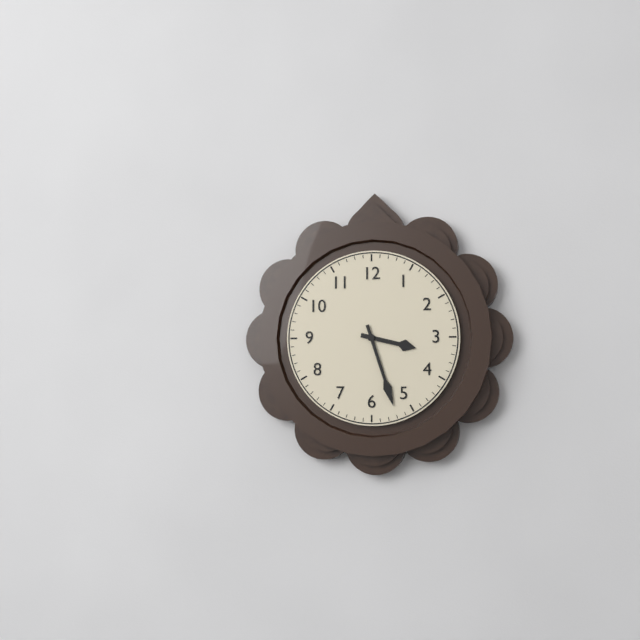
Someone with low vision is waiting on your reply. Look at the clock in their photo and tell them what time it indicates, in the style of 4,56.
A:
3,27
